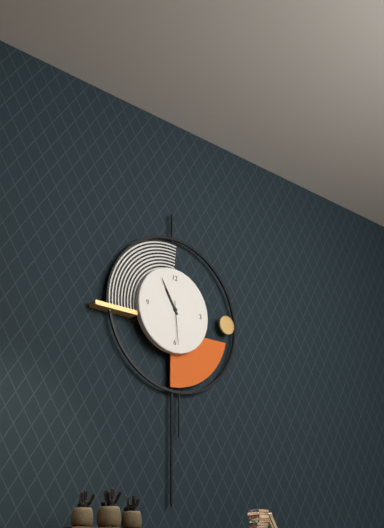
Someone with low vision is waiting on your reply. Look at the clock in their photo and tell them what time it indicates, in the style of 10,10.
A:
10,55
